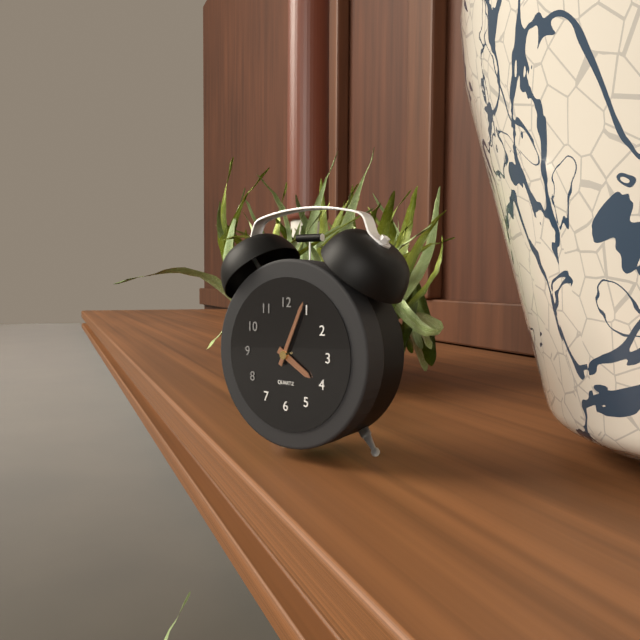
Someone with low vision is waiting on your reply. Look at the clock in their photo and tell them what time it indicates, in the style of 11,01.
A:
4,04
